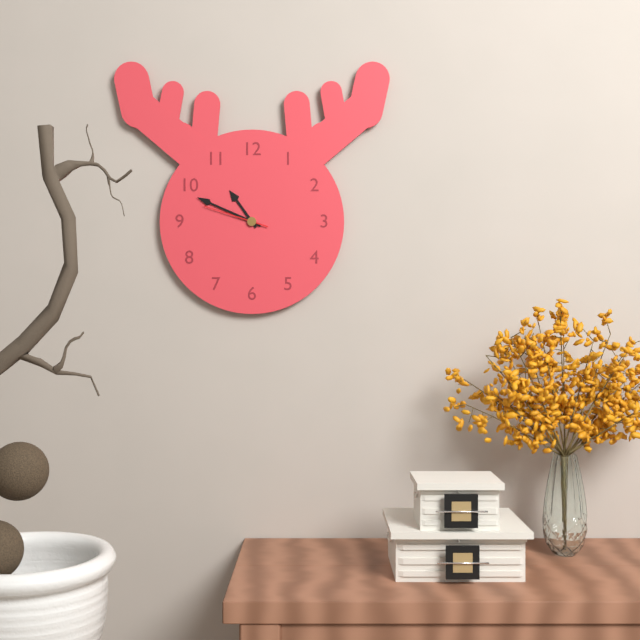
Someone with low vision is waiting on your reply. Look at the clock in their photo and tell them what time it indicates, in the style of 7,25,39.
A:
10,49,48
